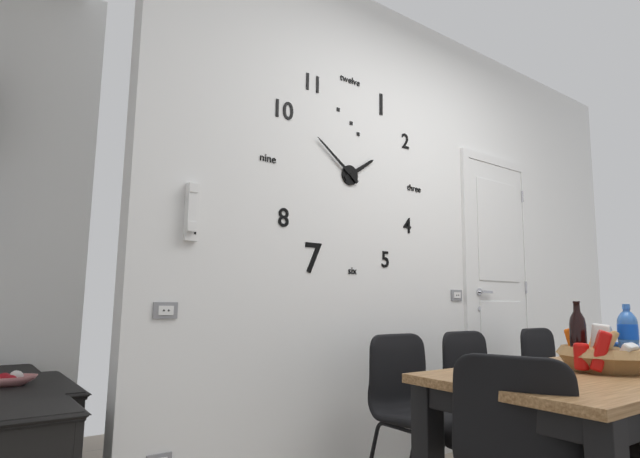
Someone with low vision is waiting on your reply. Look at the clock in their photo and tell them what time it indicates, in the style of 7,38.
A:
1,51
